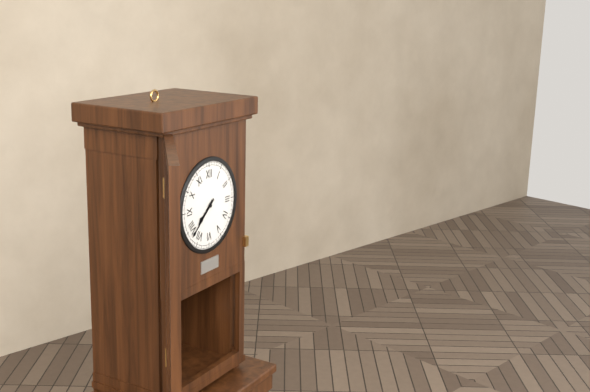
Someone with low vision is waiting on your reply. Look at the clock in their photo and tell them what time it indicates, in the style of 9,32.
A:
7,38
